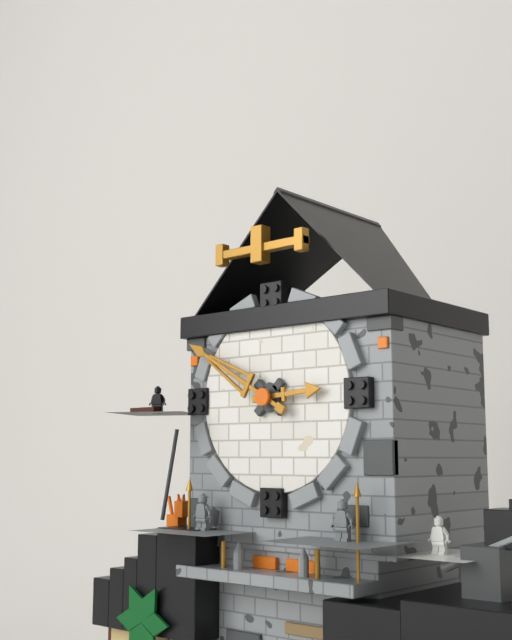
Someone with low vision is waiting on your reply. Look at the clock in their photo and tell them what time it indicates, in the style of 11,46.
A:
2,50
